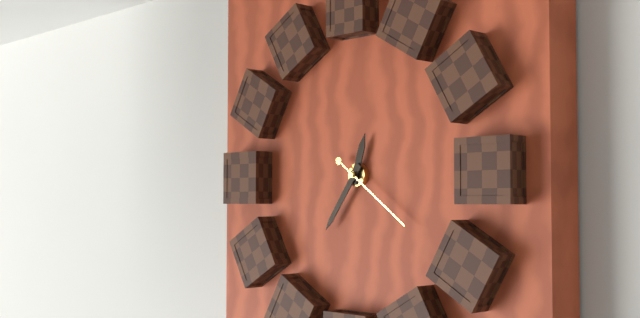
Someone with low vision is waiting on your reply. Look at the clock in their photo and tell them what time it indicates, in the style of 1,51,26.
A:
12,36,21
